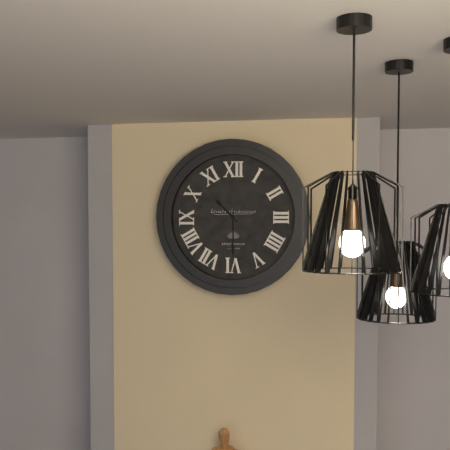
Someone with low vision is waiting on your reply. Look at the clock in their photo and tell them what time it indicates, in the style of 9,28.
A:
10,30
